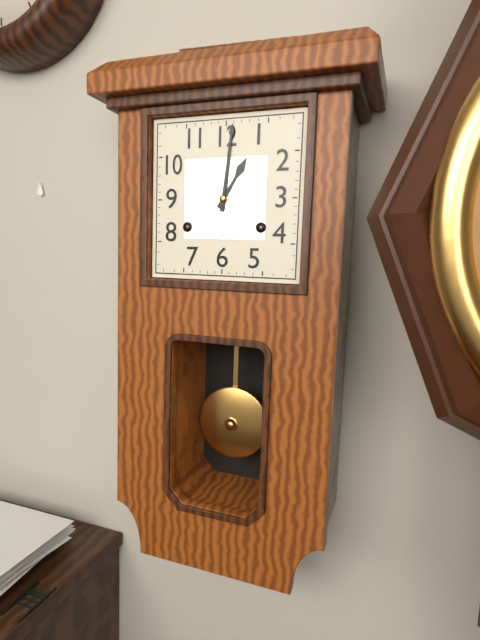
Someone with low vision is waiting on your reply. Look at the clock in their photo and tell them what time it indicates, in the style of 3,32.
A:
1,01
